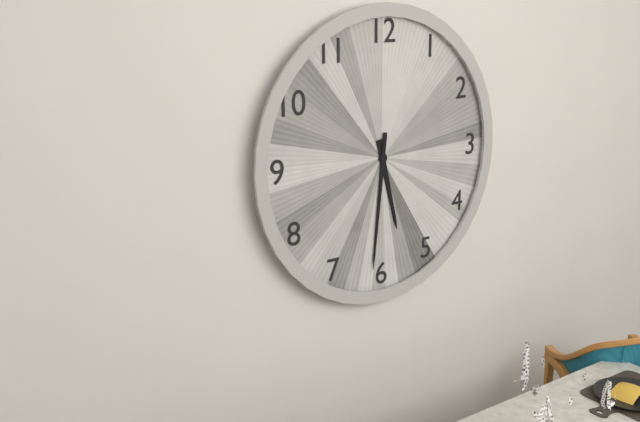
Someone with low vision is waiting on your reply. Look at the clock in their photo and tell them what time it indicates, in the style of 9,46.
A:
5,31
